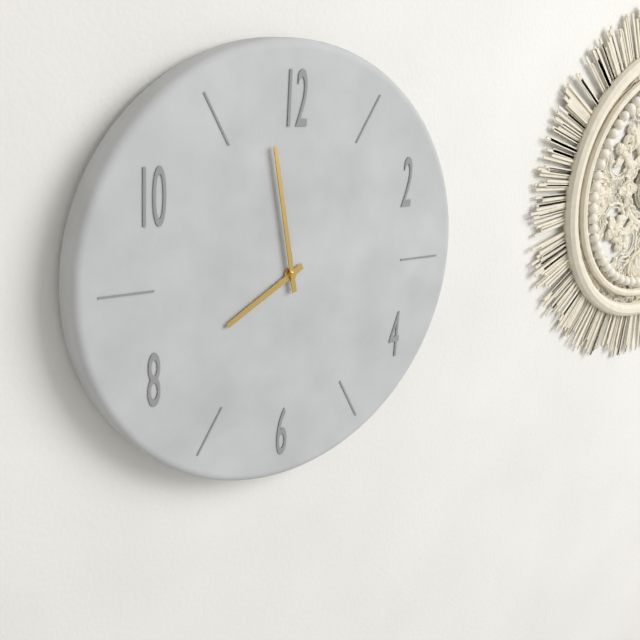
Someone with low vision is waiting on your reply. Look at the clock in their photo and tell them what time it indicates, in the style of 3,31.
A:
7,58
